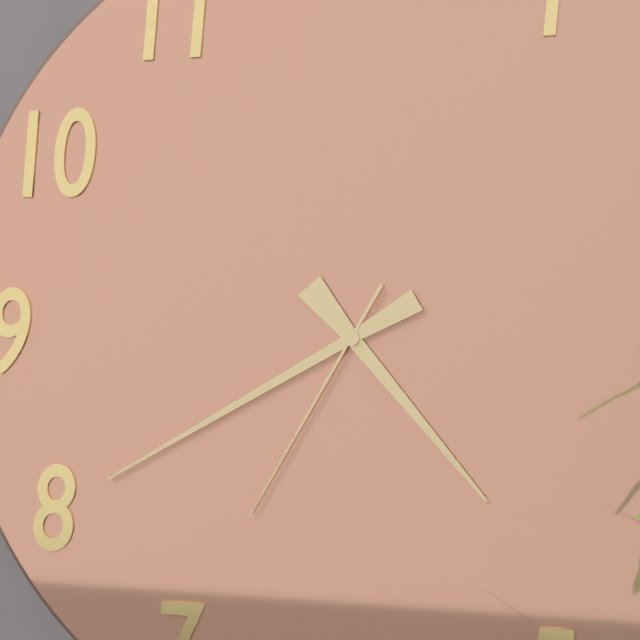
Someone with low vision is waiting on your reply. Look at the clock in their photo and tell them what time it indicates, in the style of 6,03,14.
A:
4,40,35
